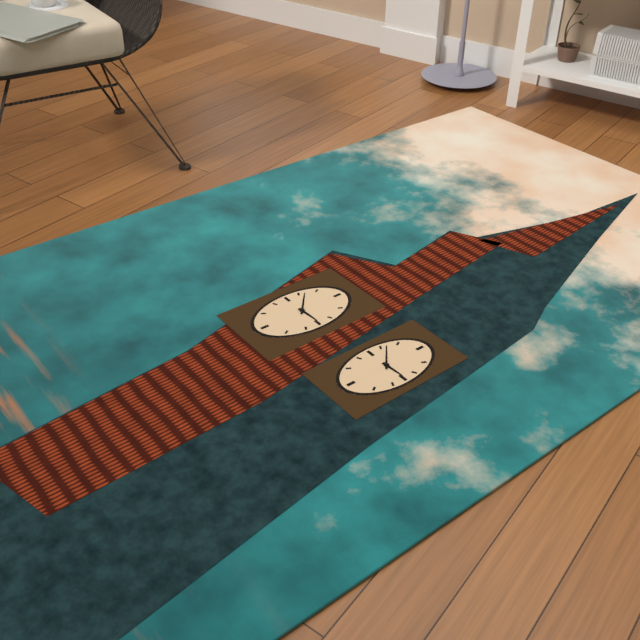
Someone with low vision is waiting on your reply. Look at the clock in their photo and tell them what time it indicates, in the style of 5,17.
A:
2,52
